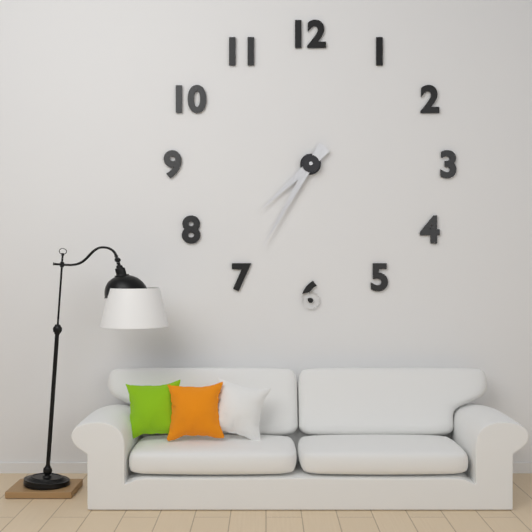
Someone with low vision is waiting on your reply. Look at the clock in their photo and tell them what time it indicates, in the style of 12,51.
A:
7,35
